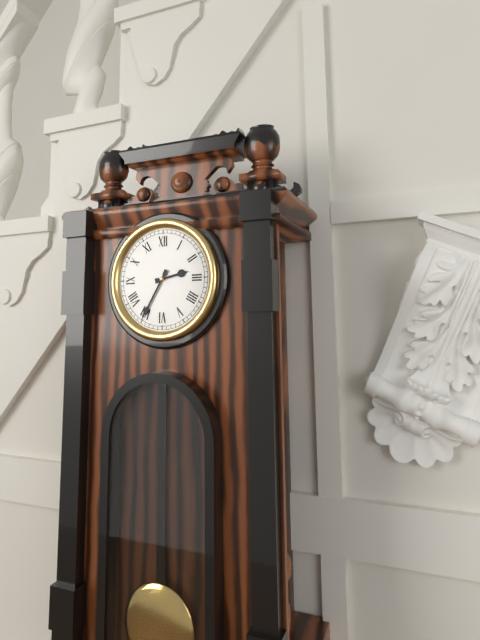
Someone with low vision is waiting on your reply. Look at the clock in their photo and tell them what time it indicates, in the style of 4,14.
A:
2,35
